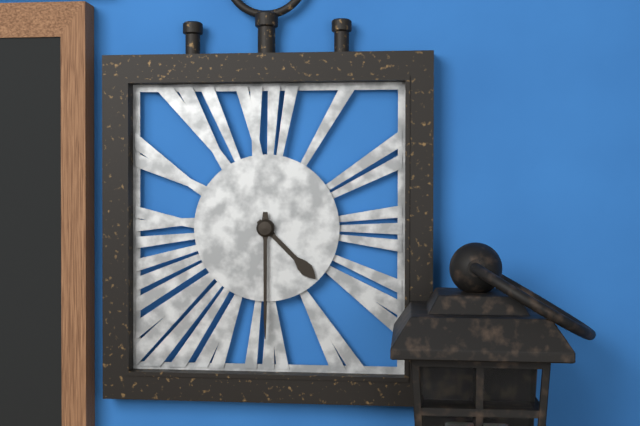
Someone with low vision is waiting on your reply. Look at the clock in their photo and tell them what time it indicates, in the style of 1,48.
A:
4,30
